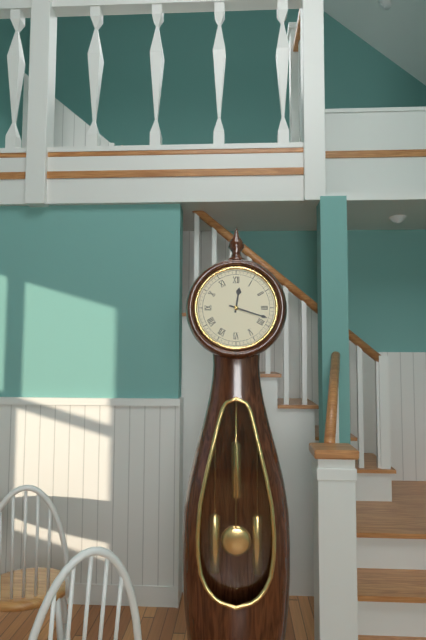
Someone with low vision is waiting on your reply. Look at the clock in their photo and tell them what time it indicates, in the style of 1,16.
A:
12,18
